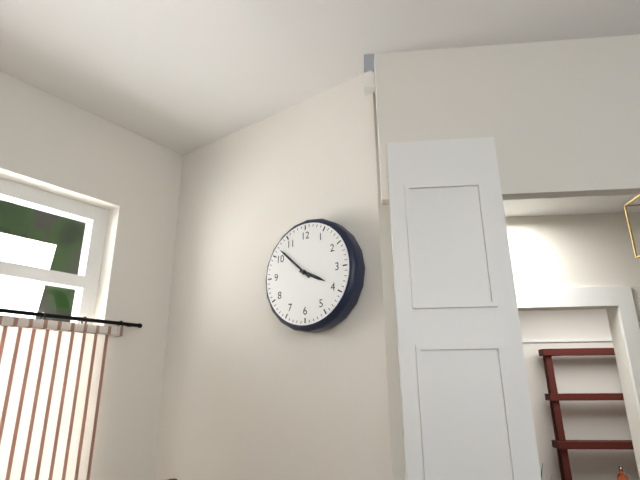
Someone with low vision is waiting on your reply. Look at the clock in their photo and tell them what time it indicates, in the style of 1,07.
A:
3,52
